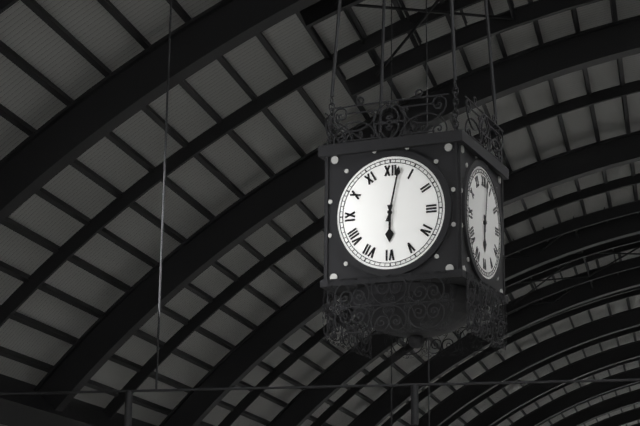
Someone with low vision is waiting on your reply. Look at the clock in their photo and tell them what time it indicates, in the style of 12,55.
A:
6,02
